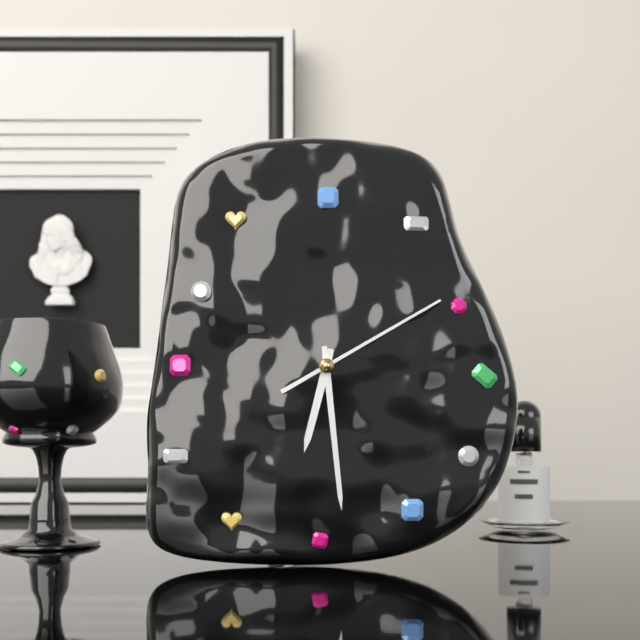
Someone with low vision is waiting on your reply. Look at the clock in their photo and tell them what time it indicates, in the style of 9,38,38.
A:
6,29,10
